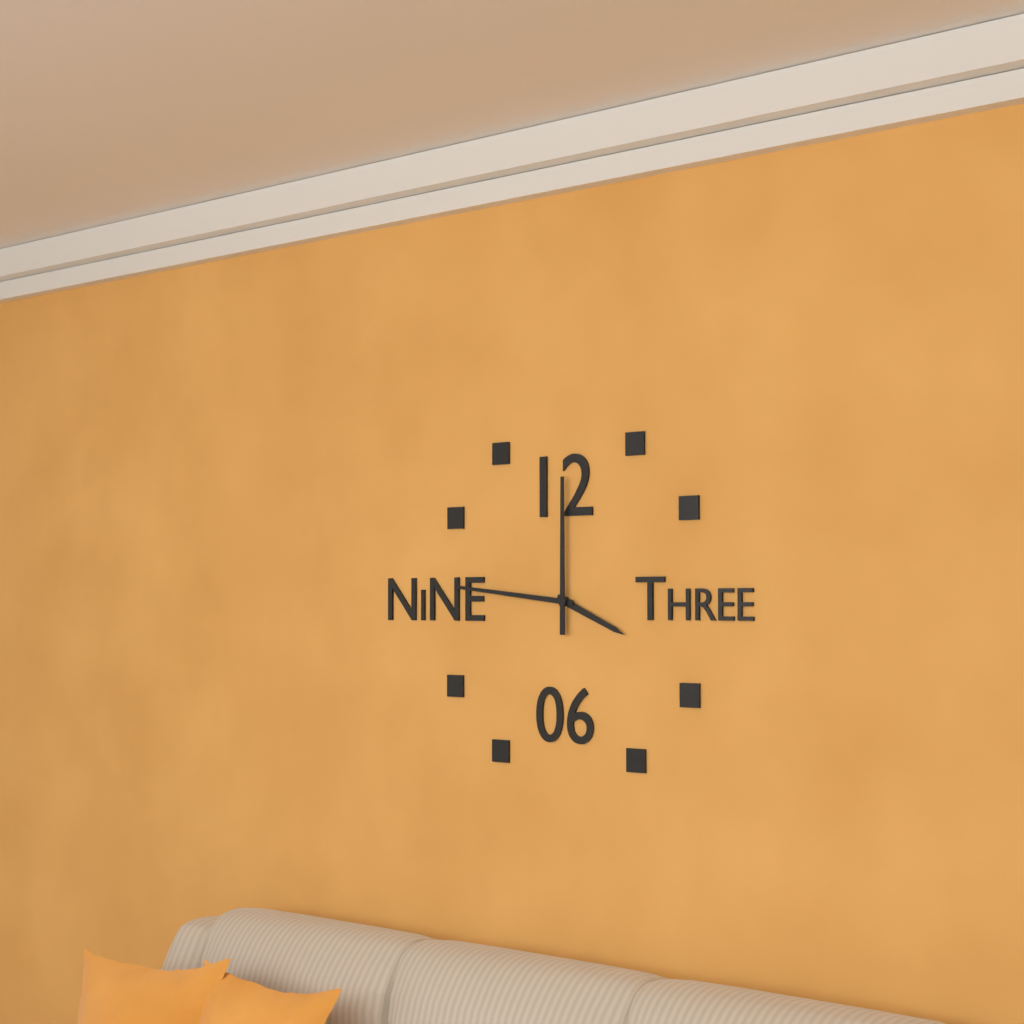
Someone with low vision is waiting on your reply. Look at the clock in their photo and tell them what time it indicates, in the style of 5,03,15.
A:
3,46,00
